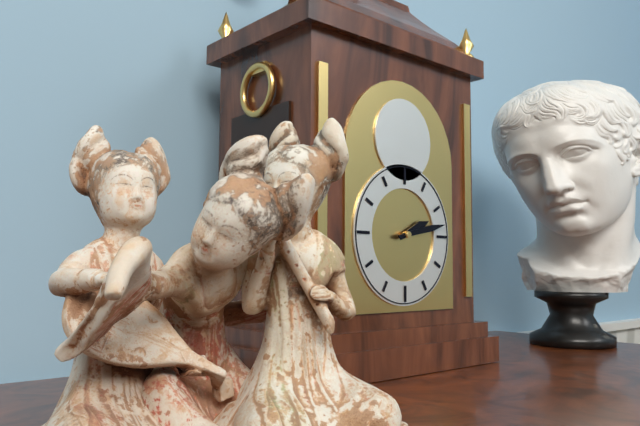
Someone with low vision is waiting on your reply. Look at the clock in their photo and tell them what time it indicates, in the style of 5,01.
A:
2,13
